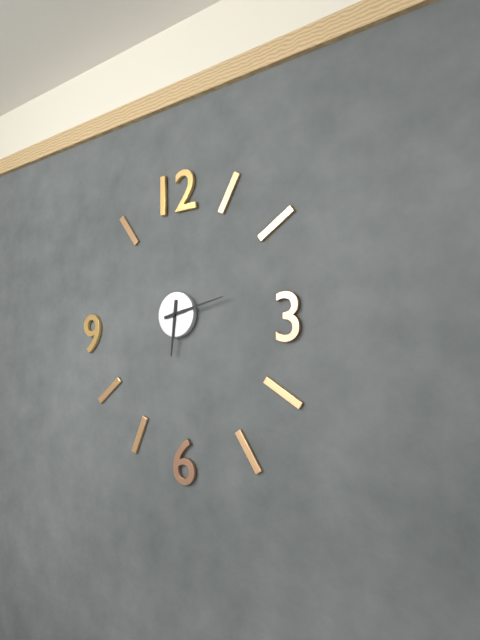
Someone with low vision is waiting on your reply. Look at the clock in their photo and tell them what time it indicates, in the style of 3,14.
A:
6,13
